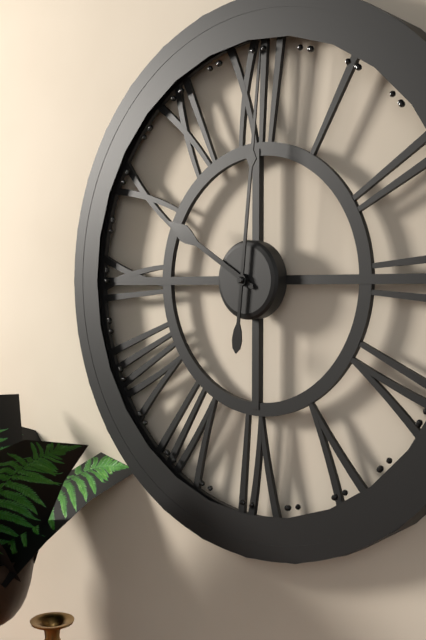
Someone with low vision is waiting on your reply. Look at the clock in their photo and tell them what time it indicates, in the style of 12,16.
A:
10,01
